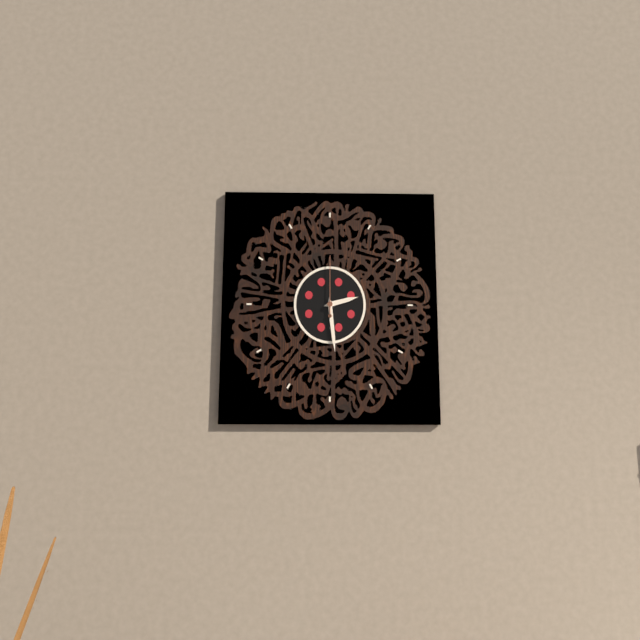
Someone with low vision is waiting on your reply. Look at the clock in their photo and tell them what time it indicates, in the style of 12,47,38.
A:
2,29,00
